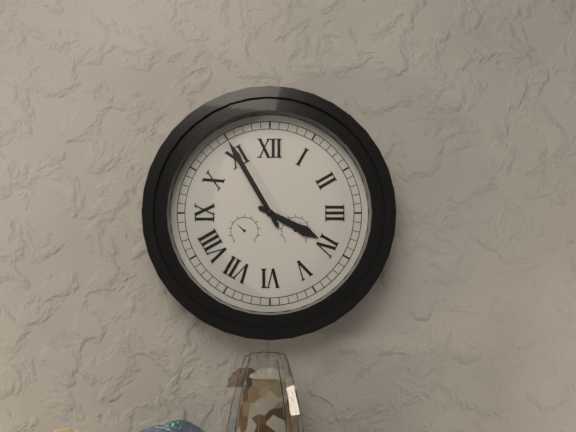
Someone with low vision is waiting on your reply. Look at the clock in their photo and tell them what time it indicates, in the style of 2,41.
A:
3,55
